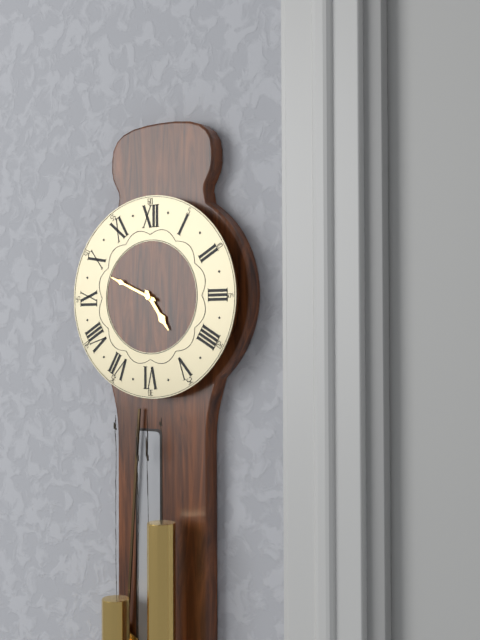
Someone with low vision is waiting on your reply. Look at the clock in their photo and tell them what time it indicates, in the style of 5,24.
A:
4,49
